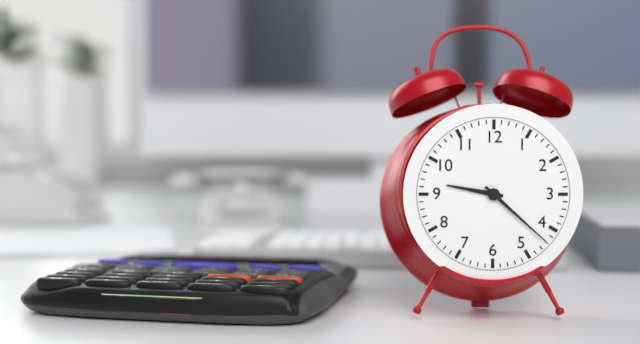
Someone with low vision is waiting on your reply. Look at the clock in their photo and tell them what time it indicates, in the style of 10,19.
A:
9,22
